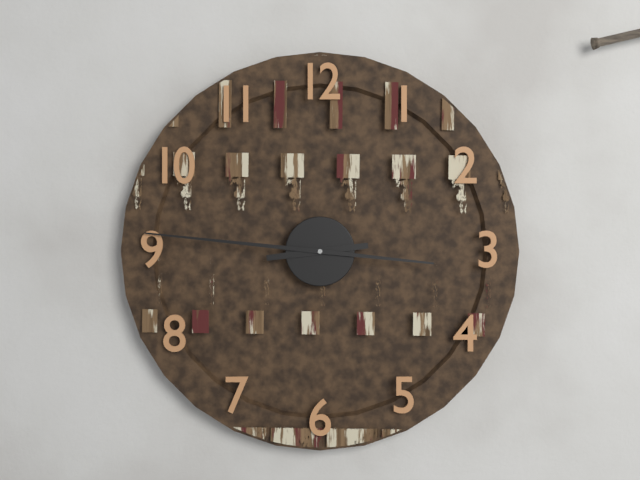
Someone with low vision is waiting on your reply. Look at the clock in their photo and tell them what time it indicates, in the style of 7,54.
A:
8,46
